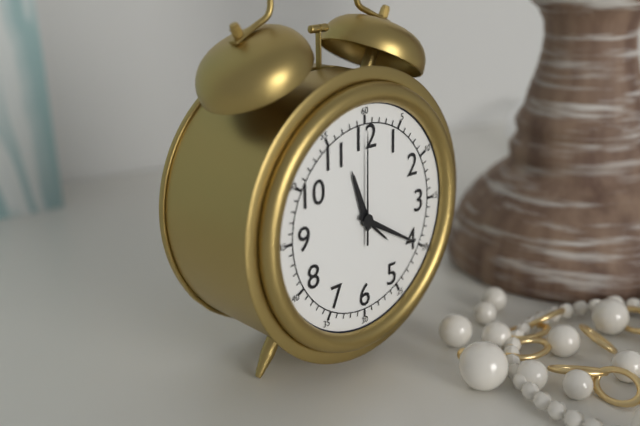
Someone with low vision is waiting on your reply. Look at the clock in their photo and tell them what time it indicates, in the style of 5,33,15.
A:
11,20,00
